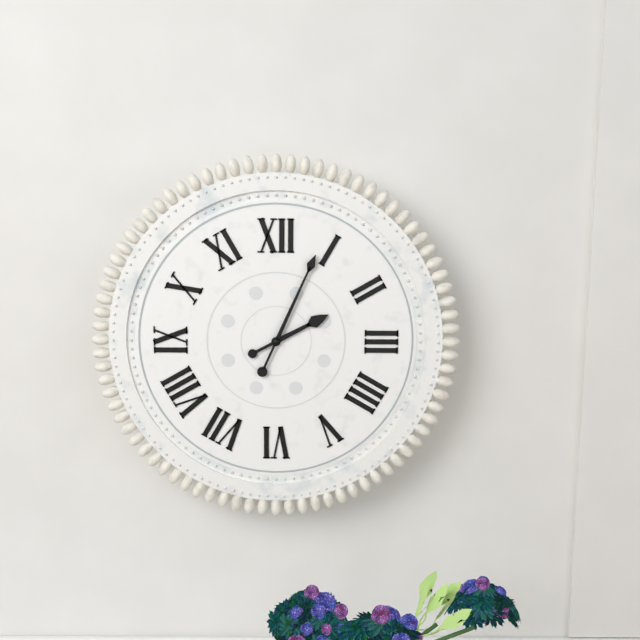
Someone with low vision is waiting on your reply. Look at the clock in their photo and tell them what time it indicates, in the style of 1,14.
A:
2,04
